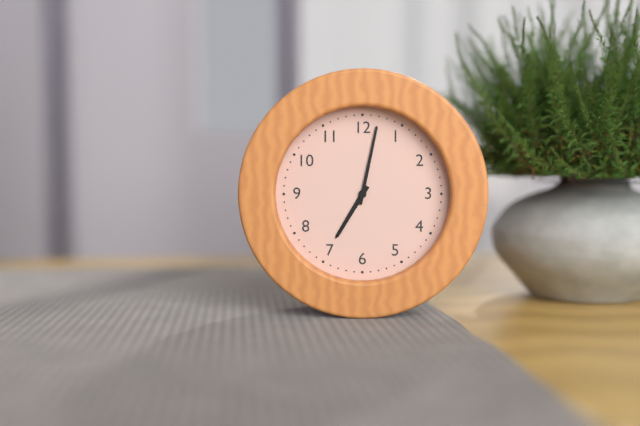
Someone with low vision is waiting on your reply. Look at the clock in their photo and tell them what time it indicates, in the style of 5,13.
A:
7,02
